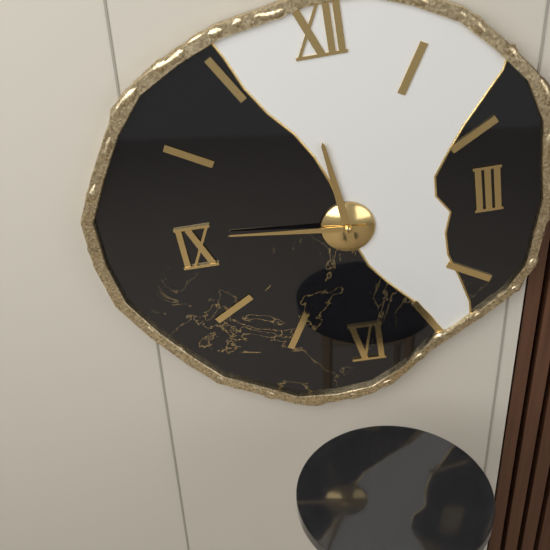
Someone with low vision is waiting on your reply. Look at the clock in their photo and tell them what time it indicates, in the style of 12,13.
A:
11,46
